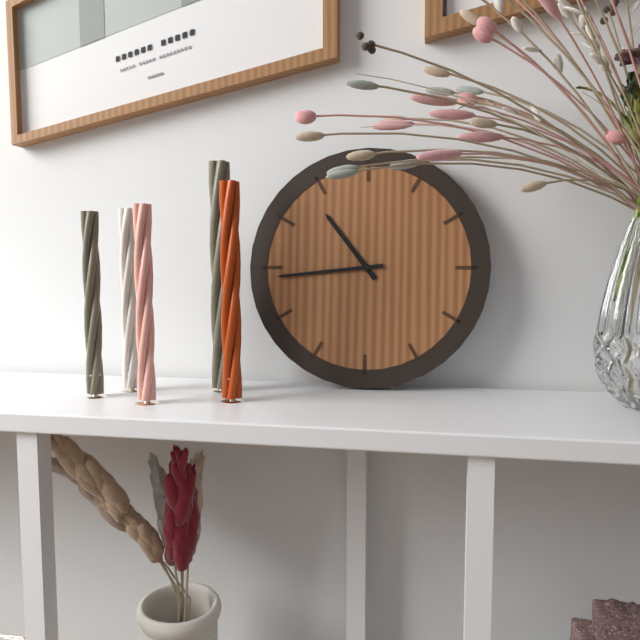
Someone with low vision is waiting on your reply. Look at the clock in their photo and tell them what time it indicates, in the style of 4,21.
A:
10,44
